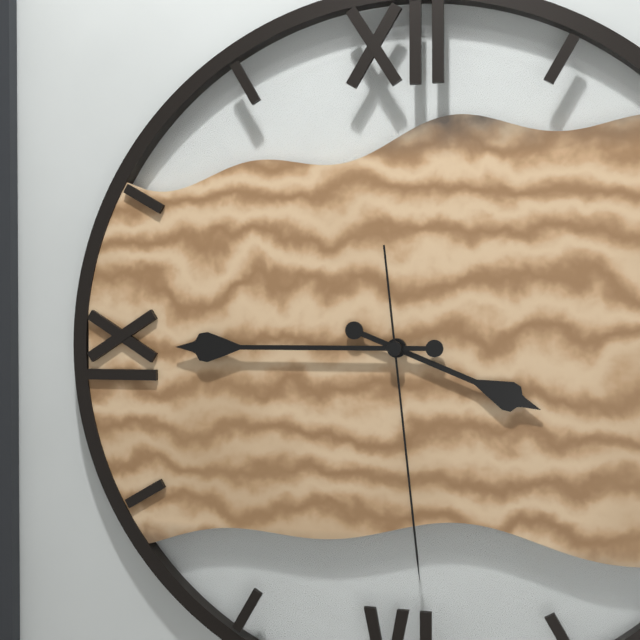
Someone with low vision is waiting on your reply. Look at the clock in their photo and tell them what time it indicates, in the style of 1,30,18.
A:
3,45,29
